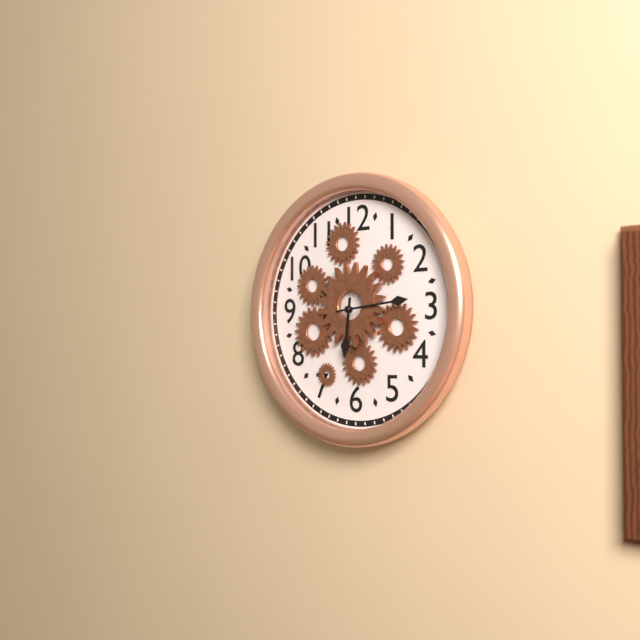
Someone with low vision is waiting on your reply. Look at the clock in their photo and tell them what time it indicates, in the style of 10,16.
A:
6,14
